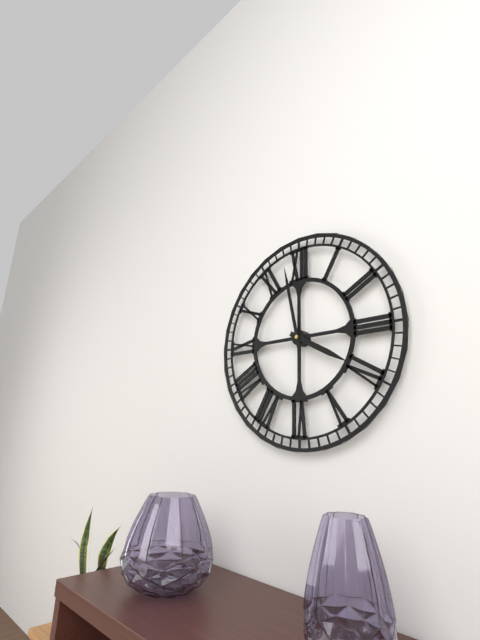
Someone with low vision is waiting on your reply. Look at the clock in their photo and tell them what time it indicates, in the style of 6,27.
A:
3,58
